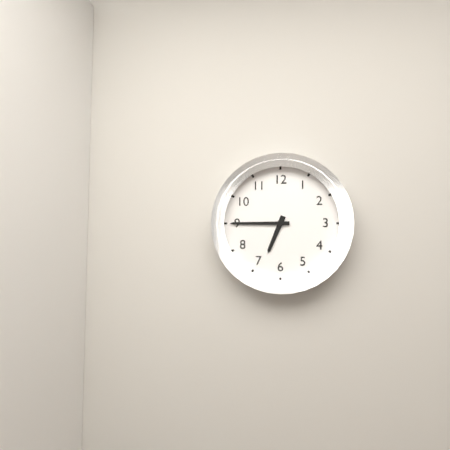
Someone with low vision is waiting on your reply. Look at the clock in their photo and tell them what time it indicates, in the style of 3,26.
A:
6,45
